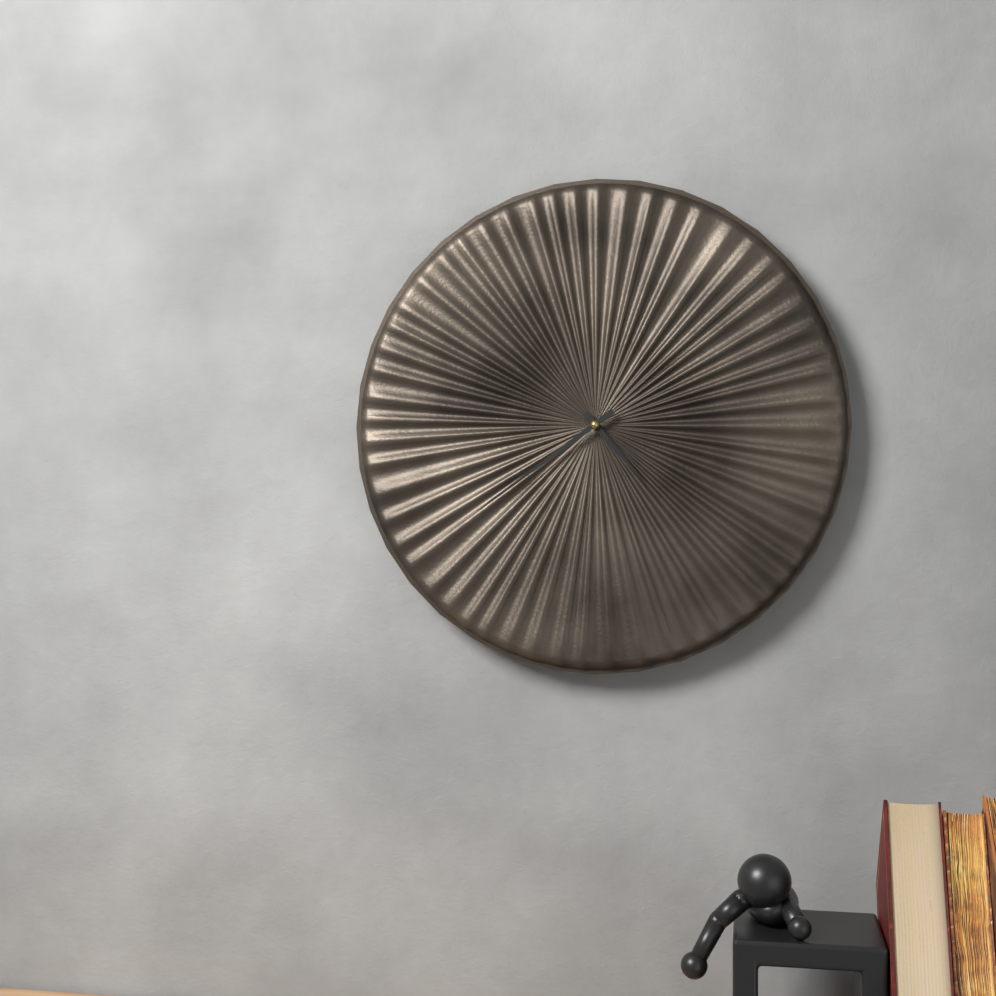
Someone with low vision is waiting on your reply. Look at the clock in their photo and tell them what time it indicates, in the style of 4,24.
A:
4,39
